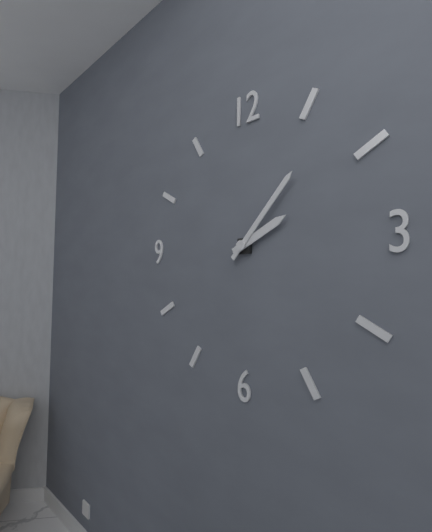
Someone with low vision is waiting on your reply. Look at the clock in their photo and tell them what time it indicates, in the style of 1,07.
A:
2,07
